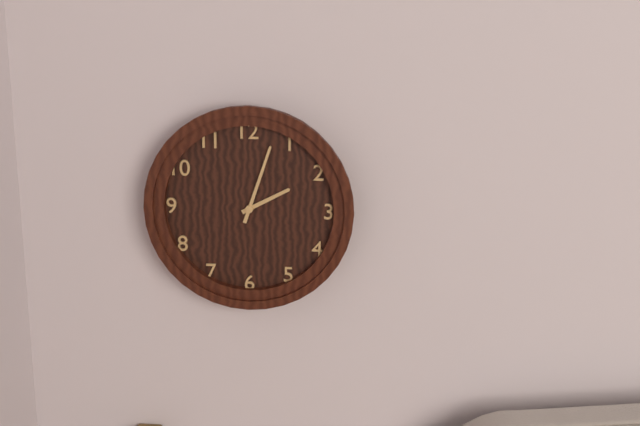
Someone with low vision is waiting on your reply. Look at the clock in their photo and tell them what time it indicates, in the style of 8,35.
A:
2,03
